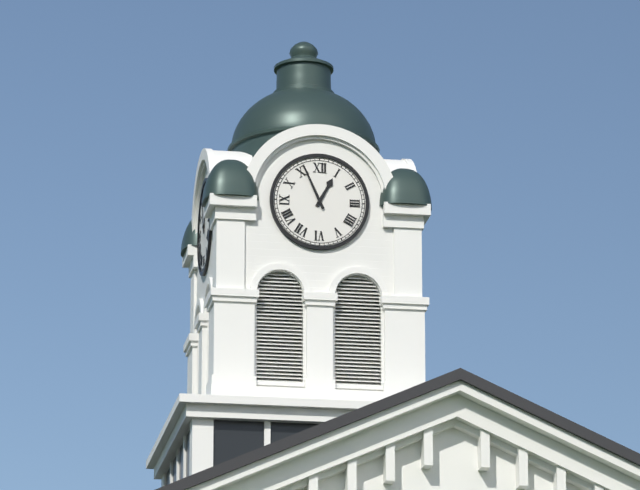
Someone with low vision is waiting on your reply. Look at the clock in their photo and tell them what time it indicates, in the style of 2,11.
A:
12,56
